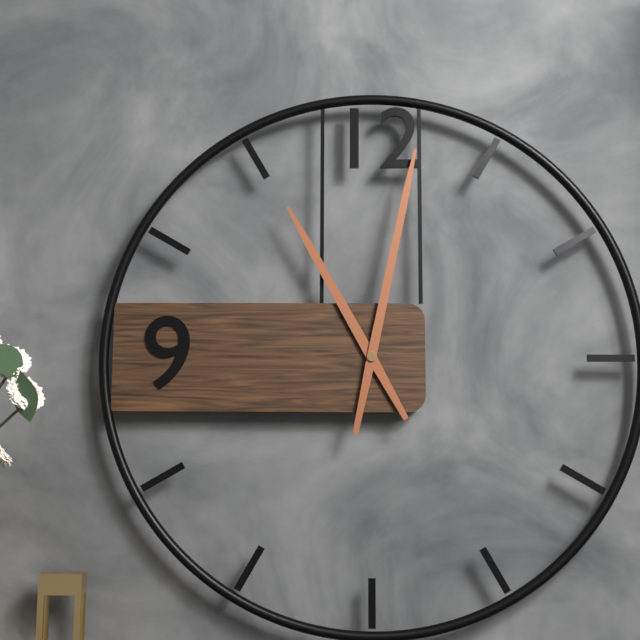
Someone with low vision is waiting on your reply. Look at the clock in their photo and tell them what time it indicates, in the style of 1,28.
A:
11,02
